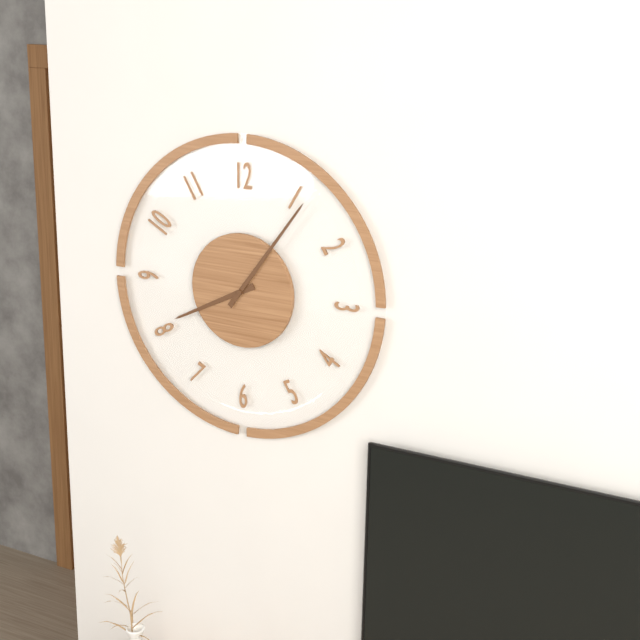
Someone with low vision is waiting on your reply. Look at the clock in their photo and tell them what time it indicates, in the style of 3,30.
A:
8,06
